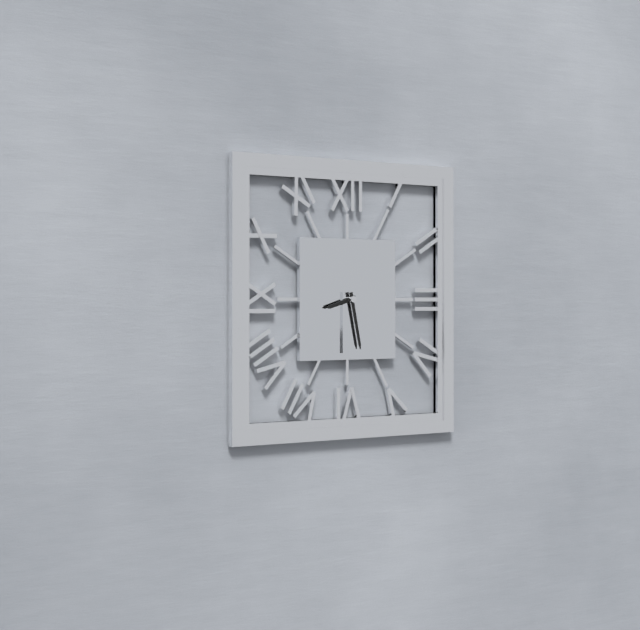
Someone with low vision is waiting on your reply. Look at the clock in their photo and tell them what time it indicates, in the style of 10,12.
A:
8,28
